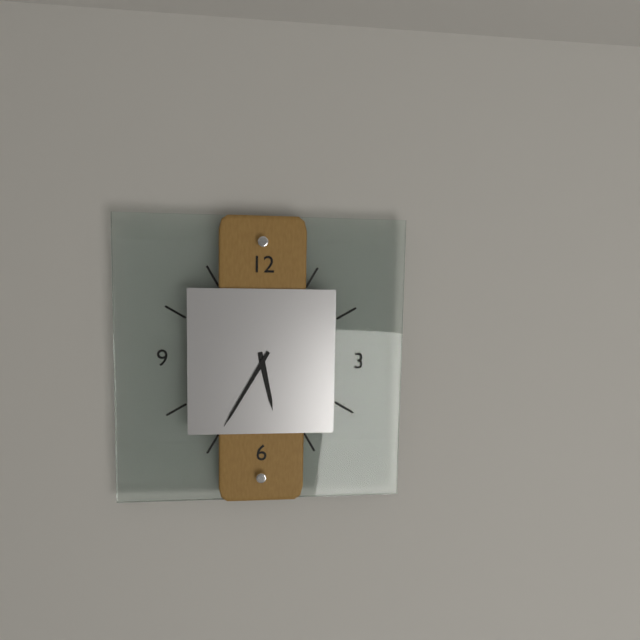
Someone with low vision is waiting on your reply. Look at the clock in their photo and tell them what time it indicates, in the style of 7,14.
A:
5,35
